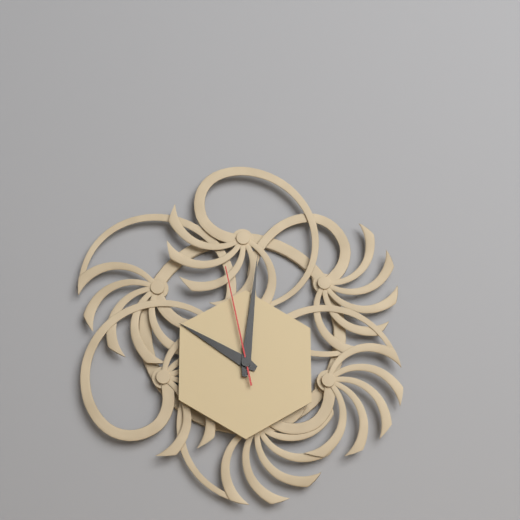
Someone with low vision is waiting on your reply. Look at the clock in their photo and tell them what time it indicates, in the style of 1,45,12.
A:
10,01,58
